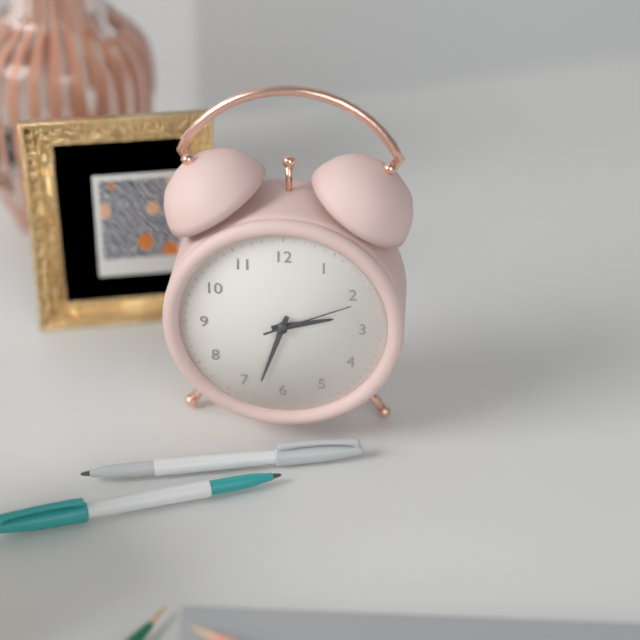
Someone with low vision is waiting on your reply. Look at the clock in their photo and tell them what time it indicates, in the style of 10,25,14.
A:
2,33,11
